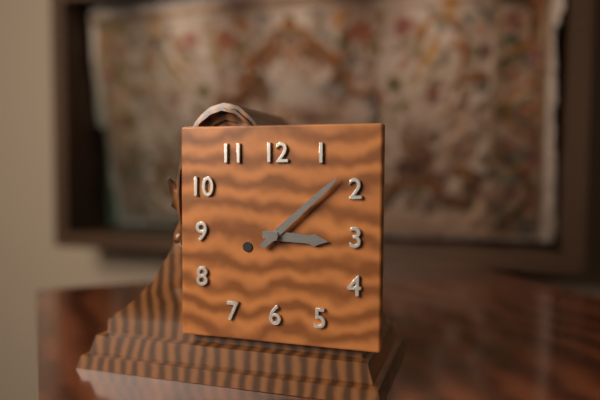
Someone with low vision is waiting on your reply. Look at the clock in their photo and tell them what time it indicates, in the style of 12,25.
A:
3,08
